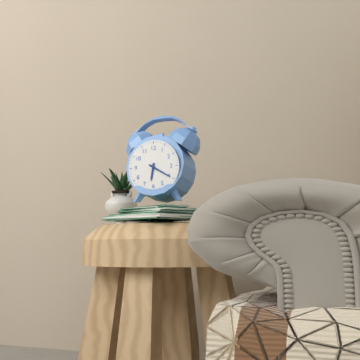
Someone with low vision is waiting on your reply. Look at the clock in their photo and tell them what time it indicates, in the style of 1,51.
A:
6,20
